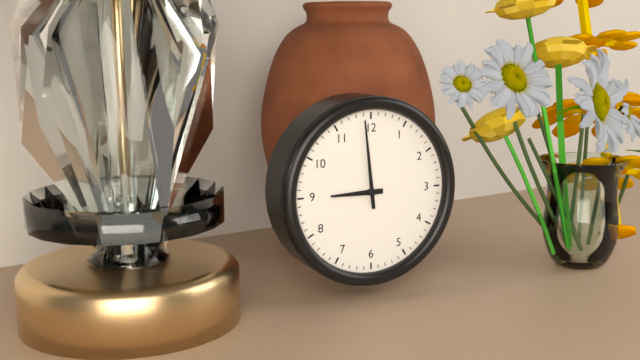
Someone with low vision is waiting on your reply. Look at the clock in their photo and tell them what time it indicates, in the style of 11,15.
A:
8,59
